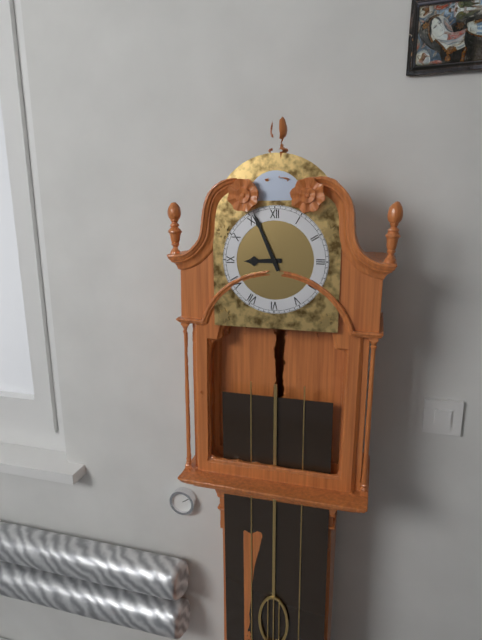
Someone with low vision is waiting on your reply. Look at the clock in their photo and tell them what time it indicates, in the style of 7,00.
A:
8,56
